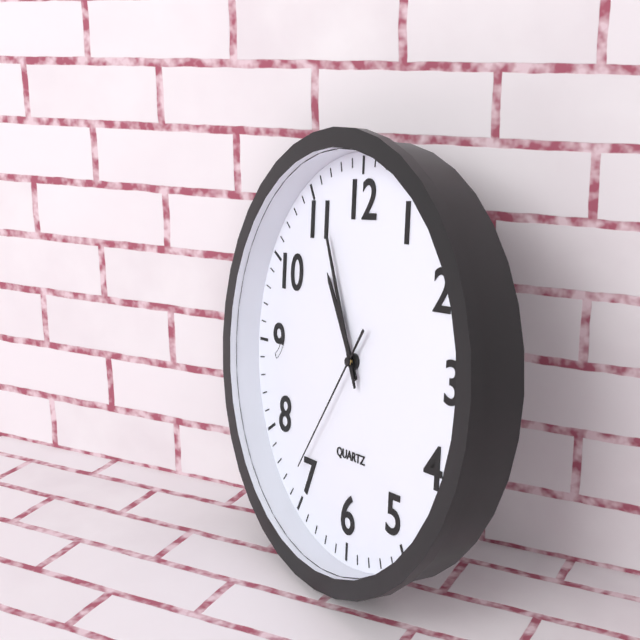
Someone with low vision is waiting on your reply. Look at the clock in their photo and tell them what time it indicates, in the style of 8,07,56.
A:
10,56,36
